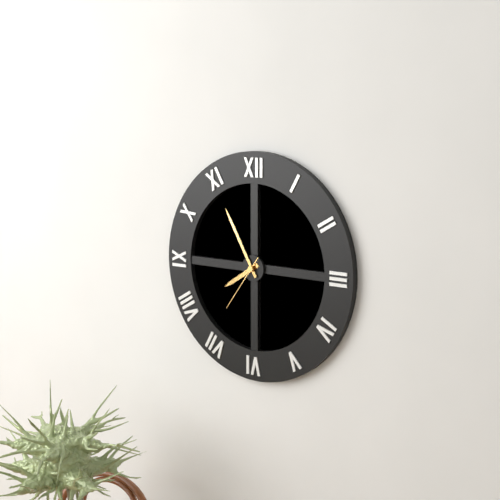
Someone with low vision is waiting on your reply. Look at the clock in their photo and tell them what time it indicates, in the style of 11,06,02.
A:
7,55,36
